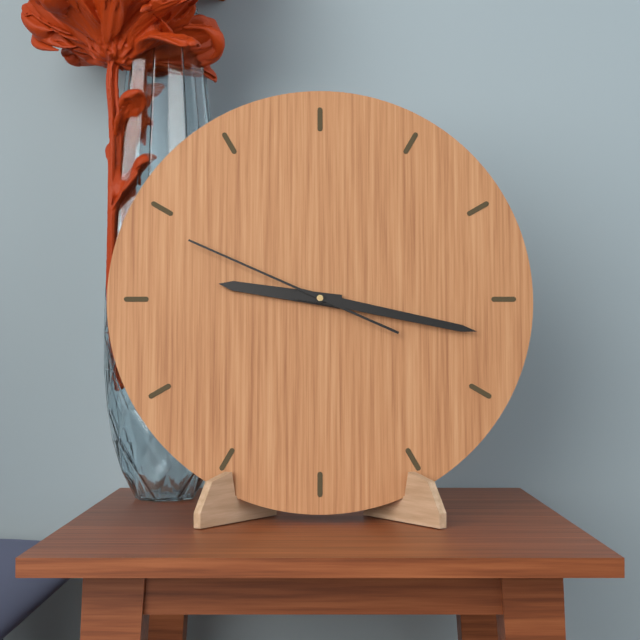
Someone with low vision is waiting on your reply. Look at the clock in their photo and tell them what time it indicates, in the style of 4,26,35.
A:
9,17,49
